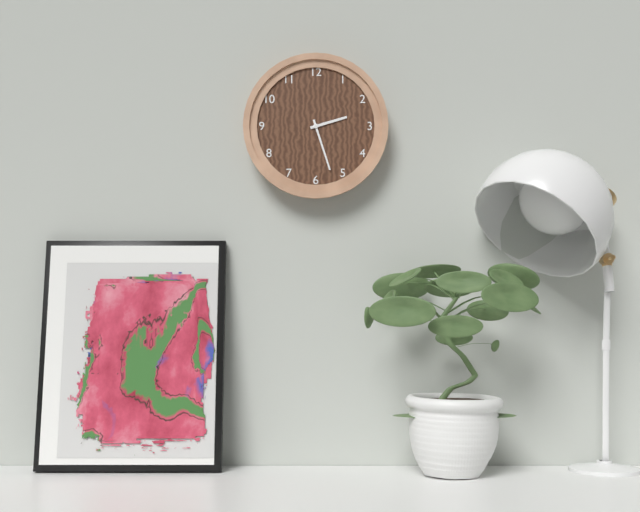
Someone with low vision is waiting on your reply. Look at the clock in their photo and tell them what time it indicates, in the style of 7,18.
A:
2,27
